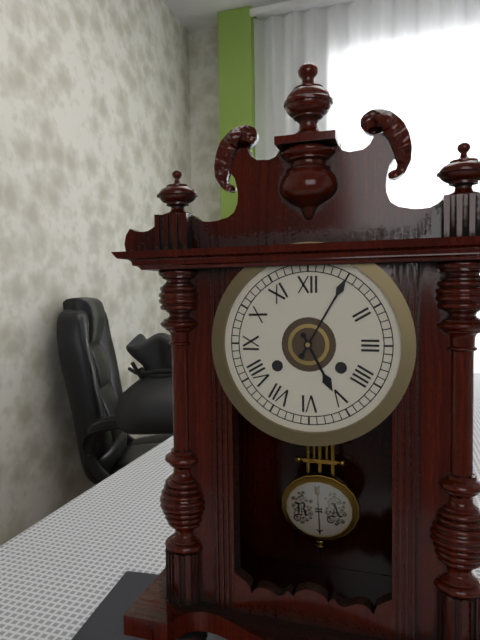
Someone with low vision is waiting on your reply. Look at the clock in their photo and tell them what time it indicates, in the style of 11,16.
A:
5,05
